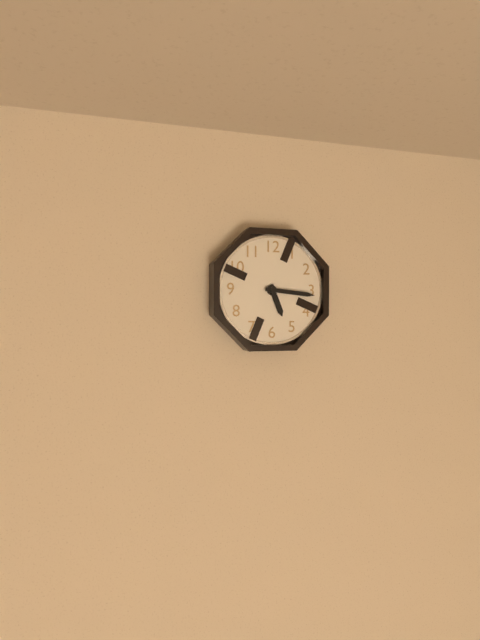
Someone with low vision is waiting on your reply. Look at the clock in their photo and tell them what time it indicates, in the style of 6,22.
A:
5,16
